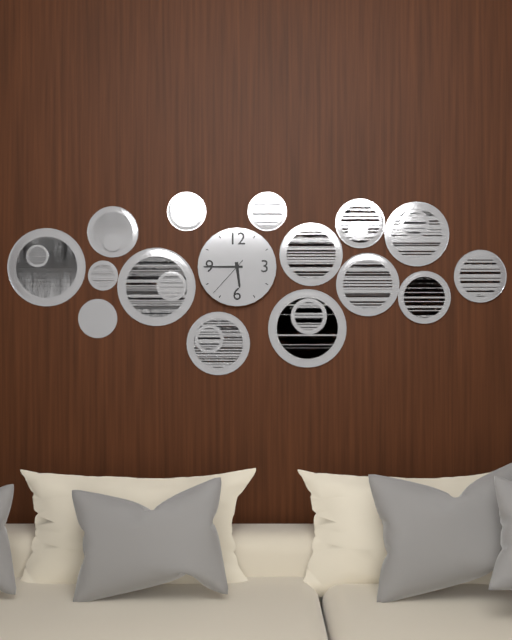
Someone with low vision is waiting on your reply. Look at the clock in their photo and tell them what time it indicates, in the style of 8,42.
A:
5,45
